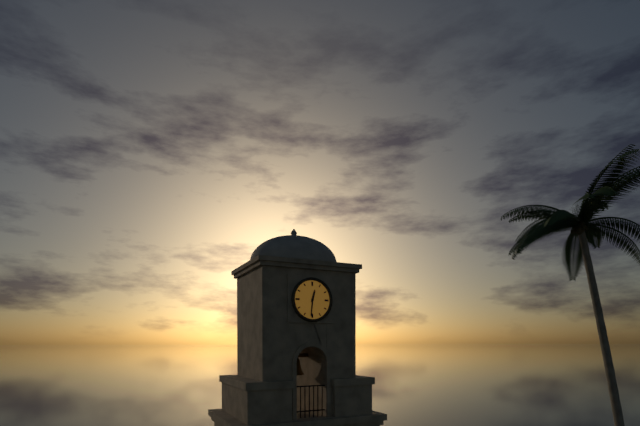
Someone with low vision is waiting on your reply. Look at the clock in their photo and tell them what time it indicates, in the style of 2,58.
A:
12,31
